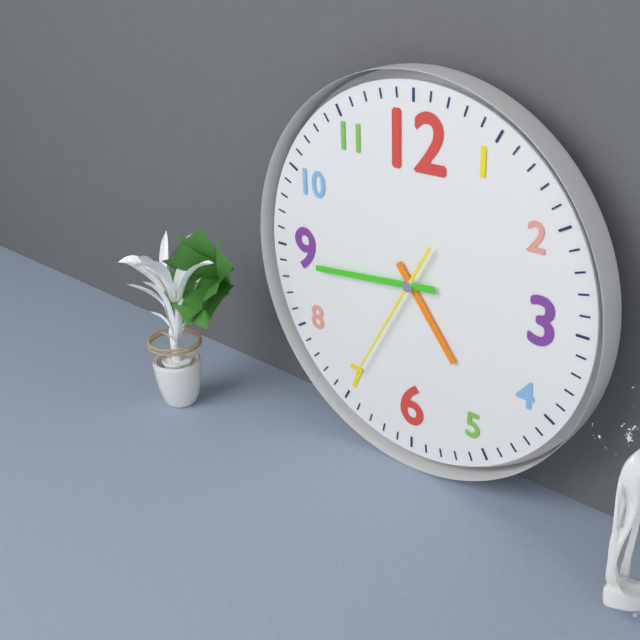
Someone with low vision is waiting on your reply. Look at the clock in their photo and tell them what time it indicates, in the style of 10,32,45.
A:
4,44,35
